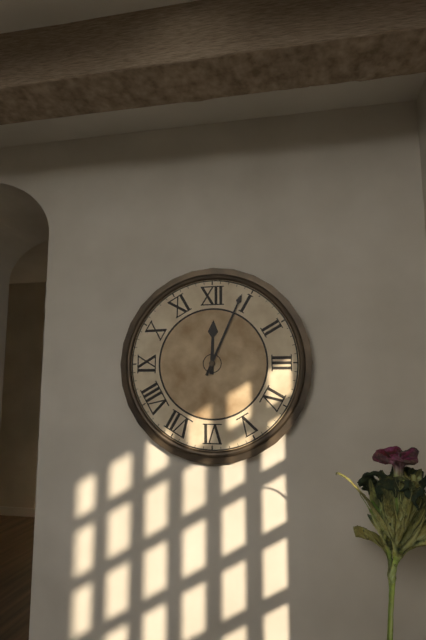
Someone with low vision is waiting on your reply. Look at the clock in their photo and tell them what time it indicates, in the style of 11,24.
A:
12,04
